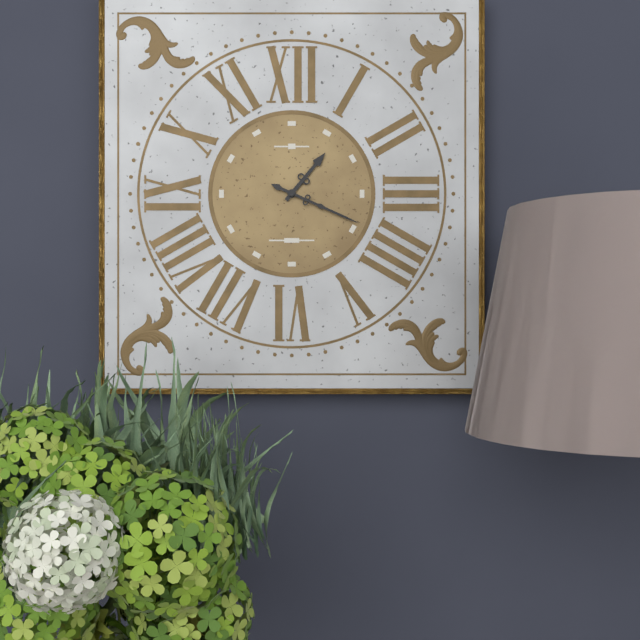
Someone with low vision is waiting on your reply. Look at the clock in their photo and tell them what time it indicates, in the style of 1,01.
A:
1,19
